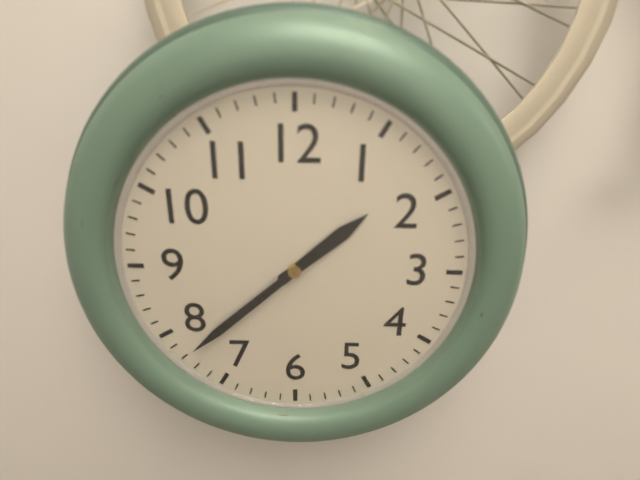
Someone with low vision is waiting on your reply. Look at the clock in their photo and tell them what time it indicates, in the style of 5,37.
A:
1,38
